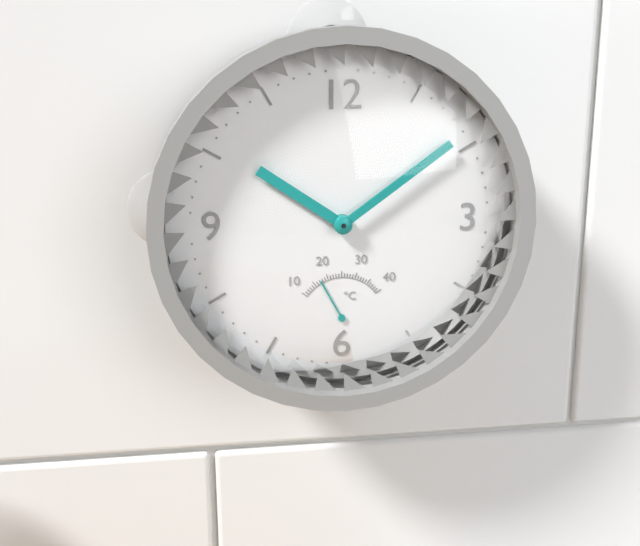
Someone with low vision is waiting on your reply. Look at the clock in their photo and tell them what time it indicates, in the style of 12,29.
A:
10,09
